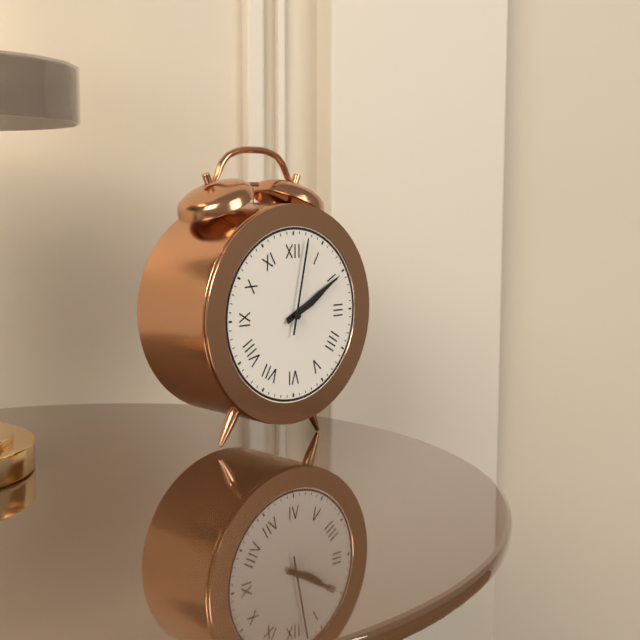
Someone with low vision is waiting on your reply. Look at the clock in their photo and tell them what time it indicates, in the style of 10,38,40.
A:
2,10,02
